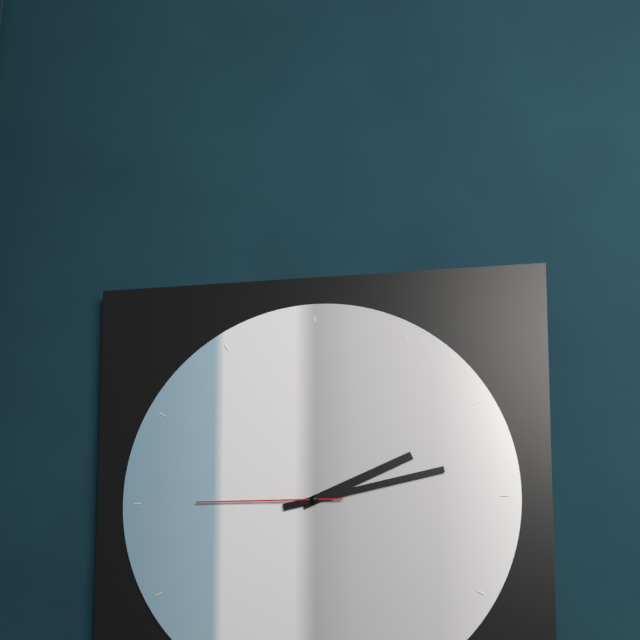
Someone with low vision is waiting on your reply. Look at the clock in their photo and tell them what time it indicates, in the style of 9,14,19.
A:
2,13,45
